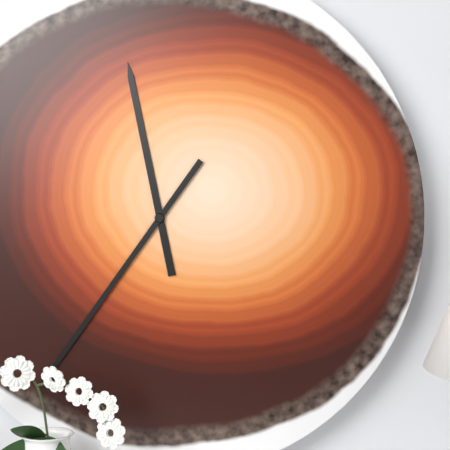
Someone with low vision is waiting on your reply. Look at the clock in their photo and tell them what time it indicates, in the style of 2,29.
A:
11,36
